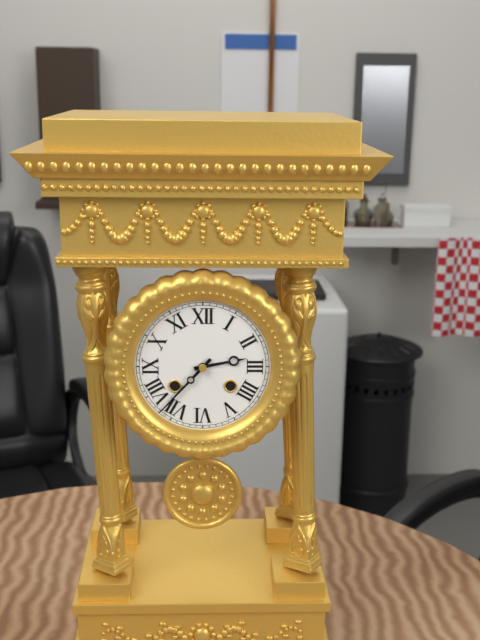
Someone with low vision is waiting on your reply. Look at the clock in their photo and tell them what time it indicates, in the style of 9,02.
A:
2,37
